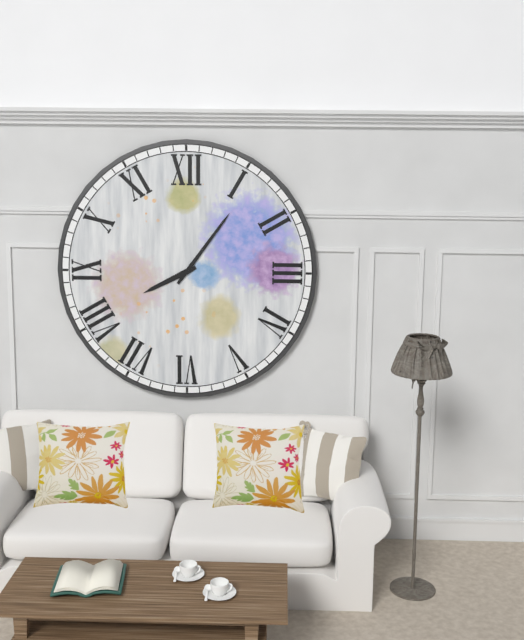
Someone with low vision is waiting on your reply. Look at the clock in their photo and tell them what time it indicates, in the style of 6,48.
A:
8,06
